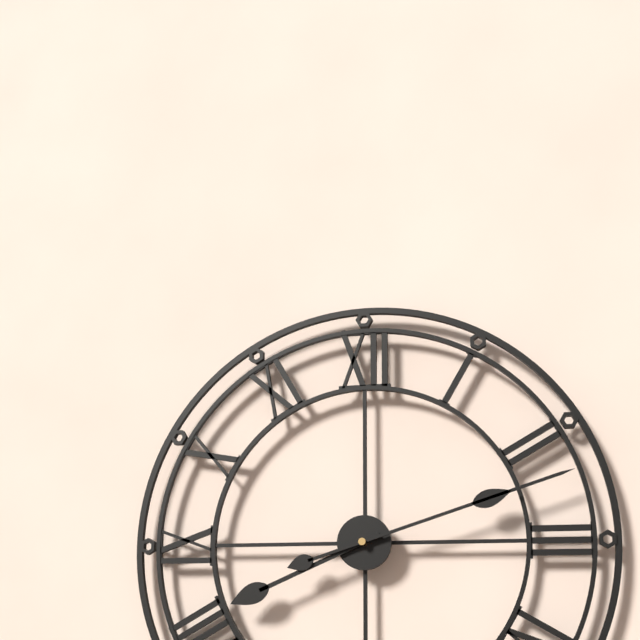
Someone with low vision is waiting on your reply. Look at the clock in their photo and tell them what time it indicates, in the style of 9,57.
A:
8,12
